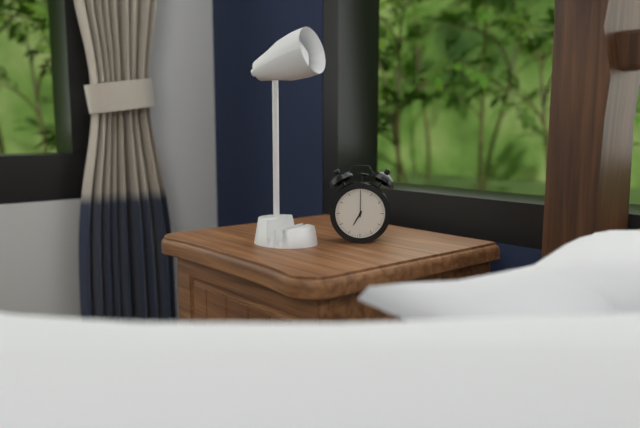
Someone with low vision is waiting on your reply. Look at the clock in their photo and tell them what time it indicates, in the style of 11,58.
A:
7,00
